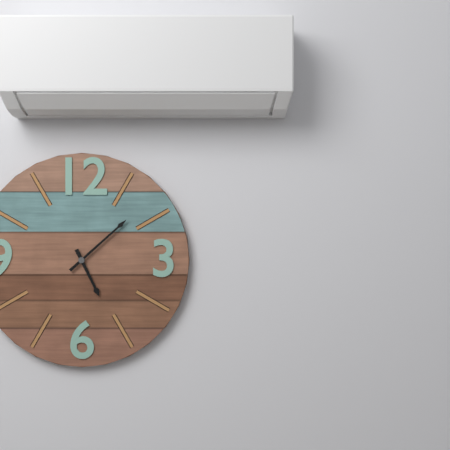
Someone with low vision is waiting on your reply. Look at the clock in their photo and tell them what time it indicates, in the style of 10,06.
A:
5,08
